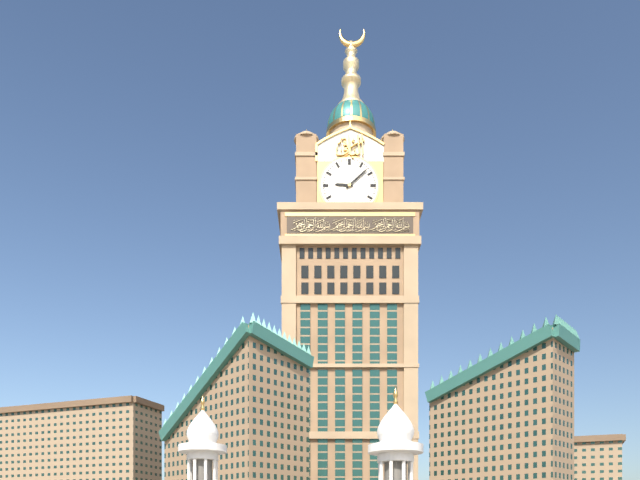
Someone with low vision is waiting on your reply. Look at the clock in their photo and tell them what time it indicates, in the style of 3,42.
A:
9,08
